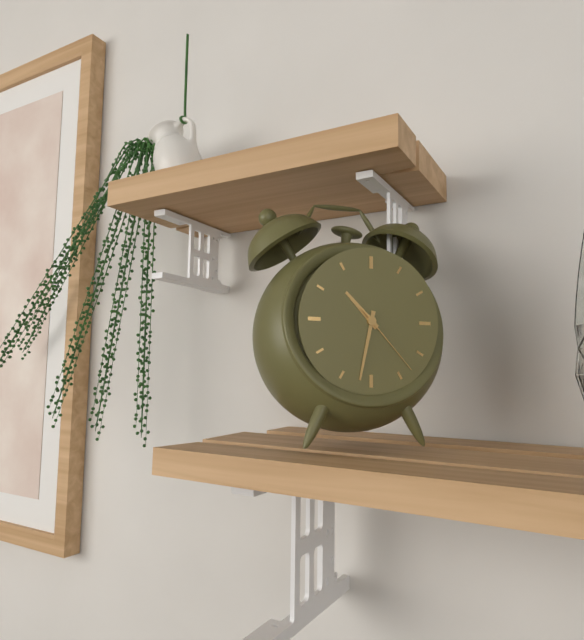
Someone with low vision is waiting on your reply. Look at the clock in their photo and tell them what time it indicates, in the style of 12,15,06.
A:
10,32,23
